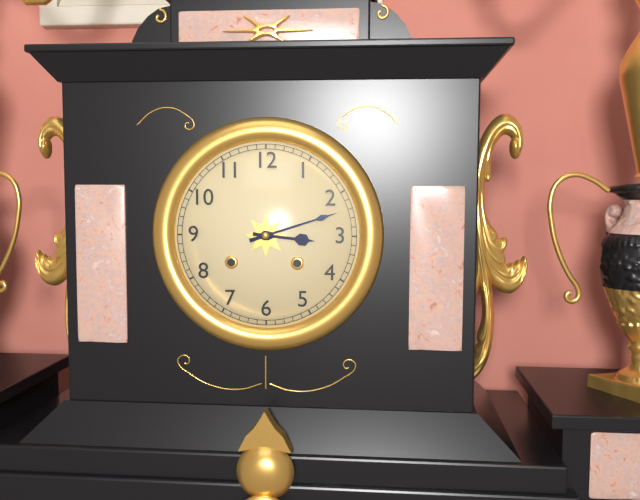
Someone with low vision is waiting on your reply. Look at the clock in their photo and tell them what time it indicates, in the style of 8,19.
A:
3,12
